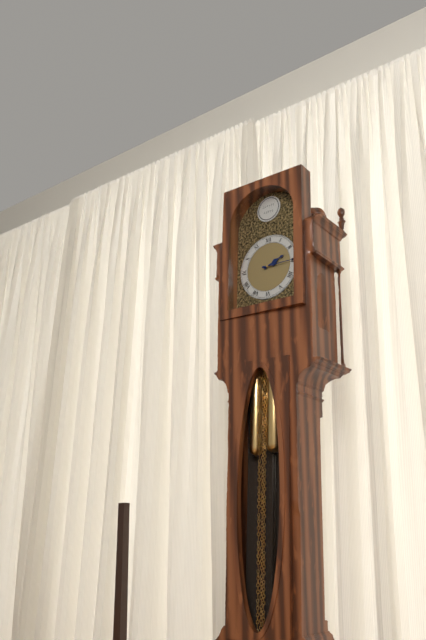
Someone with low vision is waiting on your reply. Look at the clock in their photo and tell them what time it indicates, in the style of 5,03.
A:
2,15
